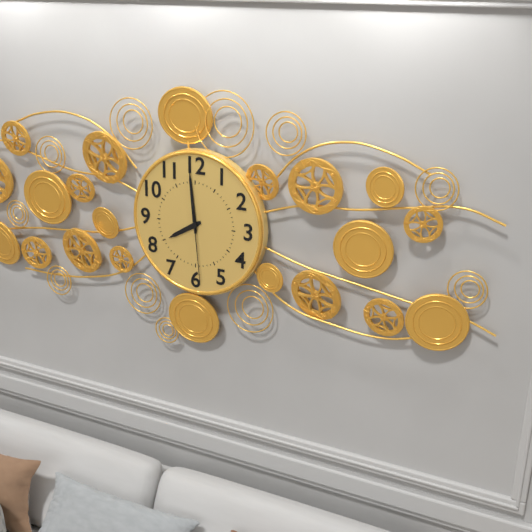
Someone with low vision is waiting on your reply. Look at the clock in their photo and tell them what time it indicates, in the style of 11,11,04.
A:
7,59,29
